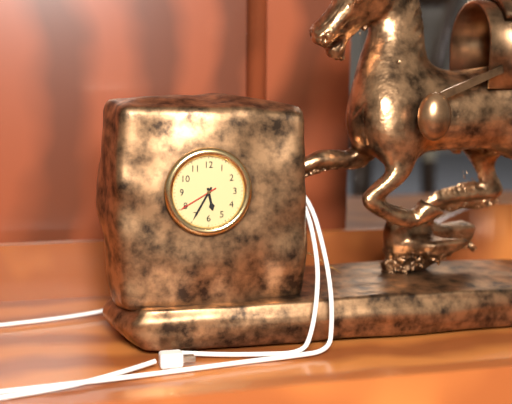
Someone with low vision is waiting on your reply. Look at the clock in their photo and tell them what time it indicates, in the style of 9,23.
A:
5,35
